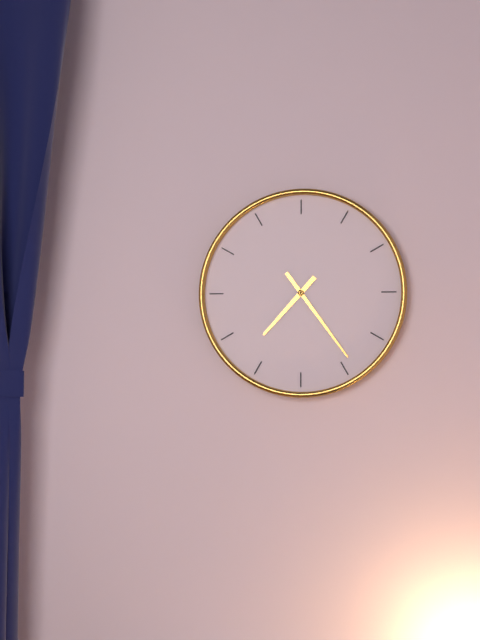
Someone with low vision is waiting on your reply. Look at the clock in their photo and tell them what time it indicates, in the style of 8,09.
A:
7,24
